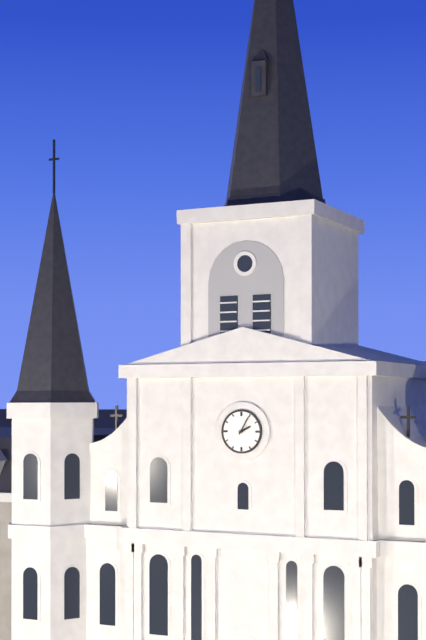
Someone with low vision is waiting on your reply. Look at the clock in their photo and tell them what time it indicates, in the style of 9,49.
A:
2,05
